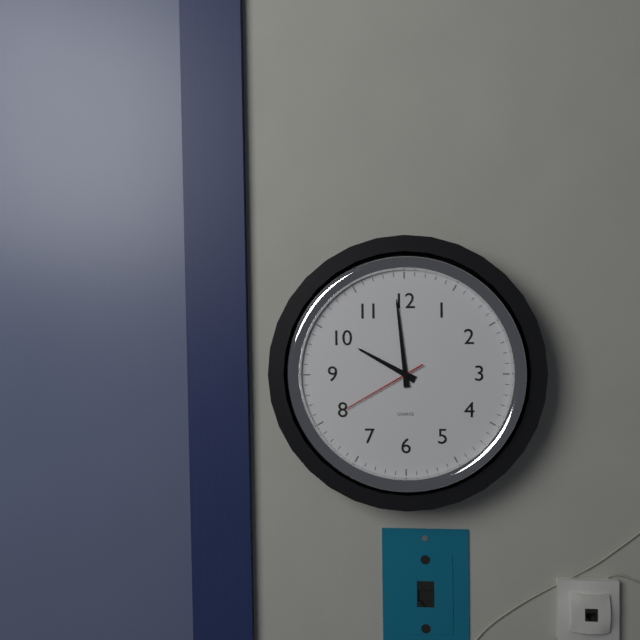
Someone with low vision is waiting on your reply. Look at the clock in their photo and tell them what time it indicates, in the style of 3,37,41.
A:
9,59,40
